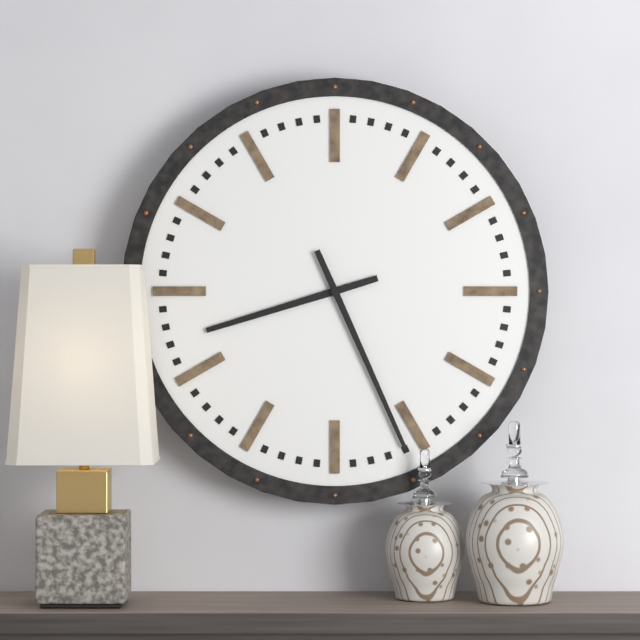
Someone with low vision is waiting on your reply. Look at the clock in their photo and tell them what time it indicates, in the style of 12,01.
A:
8,26
